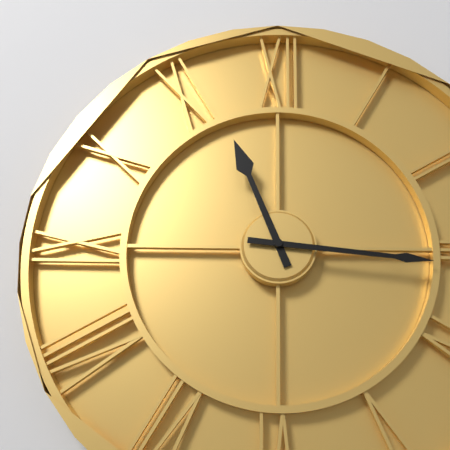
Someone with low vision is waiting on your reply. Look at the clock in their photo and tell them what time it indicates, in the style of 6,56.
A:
11,16
